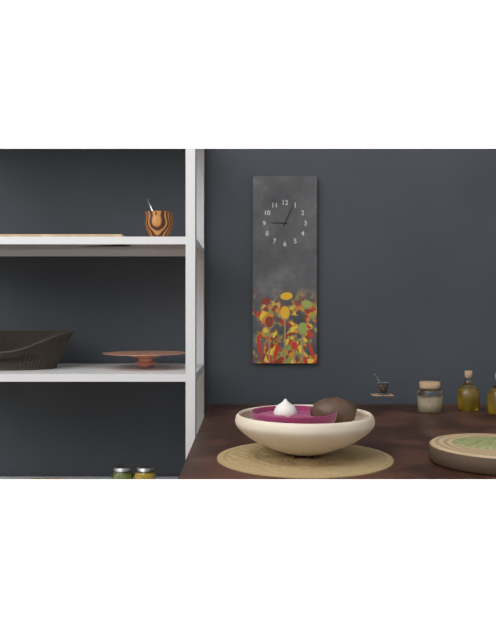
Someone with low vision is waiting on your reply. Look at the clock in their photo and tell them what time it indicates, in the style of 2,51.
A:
9,04
